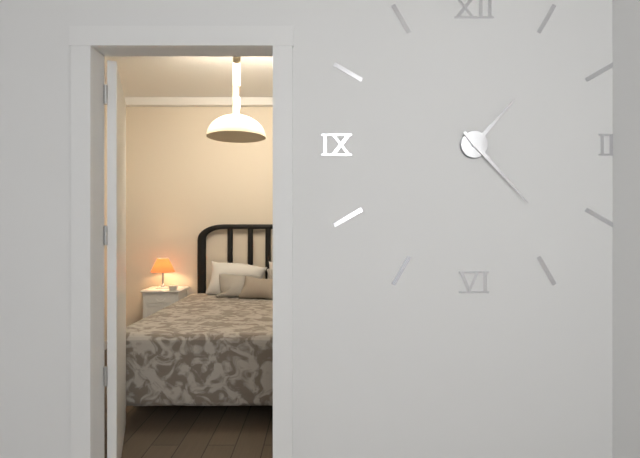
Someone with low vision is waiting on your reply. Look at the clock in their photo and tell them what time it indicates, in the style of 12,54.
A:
1,23
